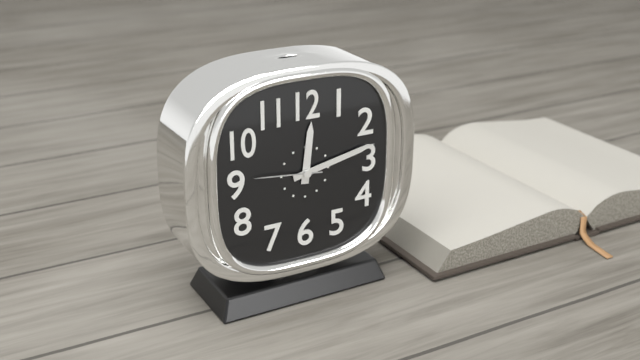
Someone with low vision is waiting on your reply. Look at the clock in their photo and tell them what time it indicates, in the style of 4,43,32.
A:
12,13,46
